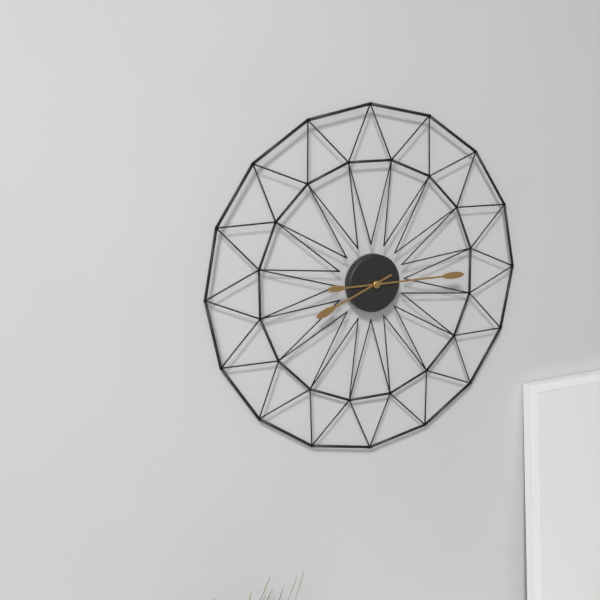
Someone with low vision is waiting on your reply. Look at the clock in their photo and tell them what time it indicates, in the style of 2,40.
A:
8,15
